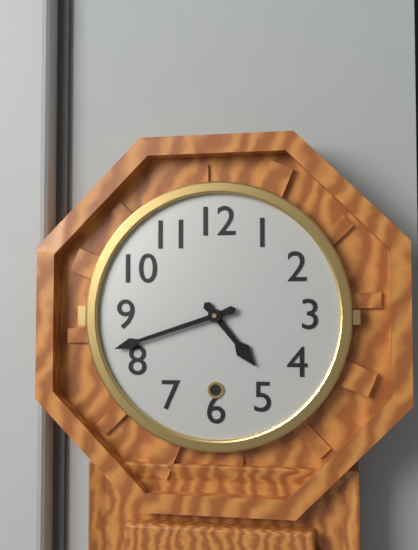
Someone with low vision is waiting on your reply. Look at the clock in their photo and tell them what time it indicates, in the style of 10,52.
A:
4,42
